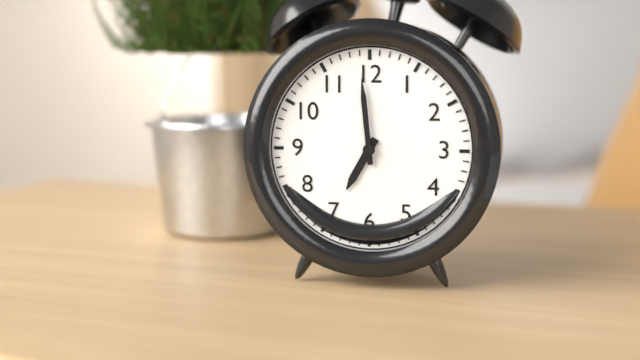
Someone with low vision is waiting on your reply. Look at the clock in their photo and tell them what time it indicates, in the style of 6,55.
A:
6,59
